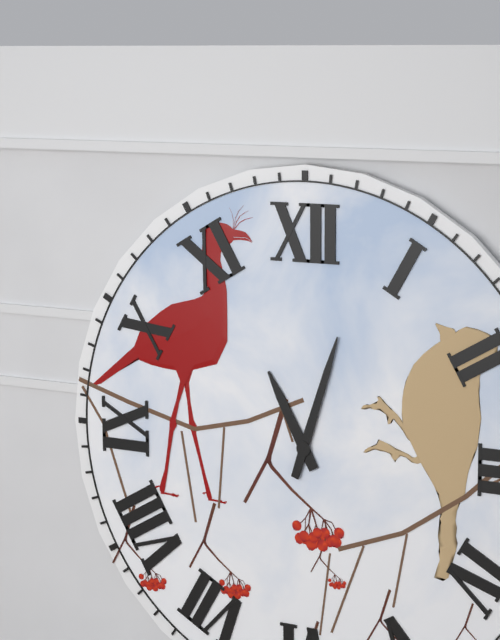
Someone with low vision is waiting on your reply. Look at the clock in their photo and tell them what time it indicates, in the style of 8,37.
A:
11,03
